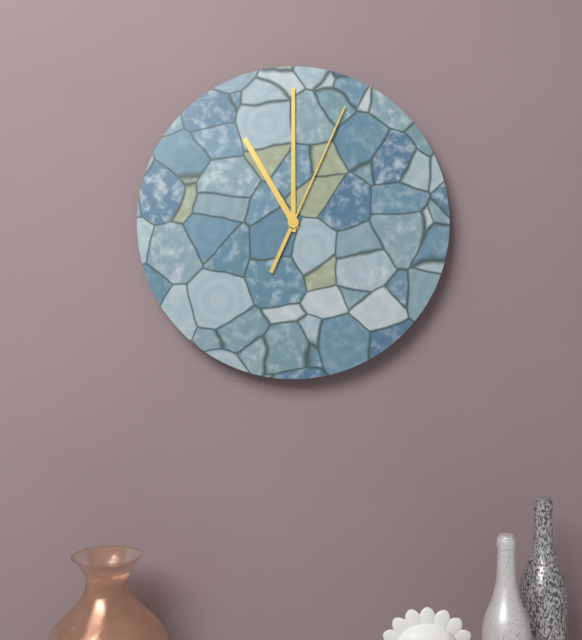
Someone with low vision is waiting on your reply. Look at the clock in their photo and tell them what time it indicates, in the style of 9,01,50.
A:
11,00,04
